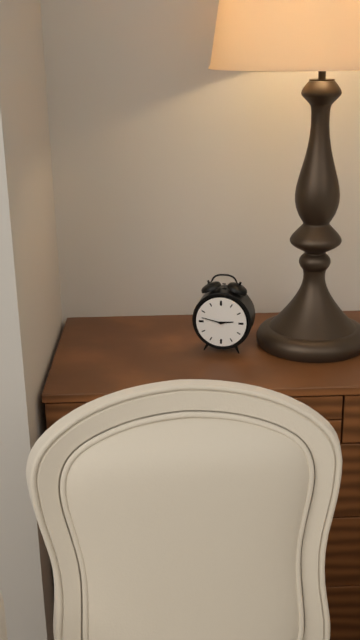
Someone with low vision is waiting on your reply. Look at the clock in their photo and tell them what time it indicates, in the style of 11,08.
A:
2,47
